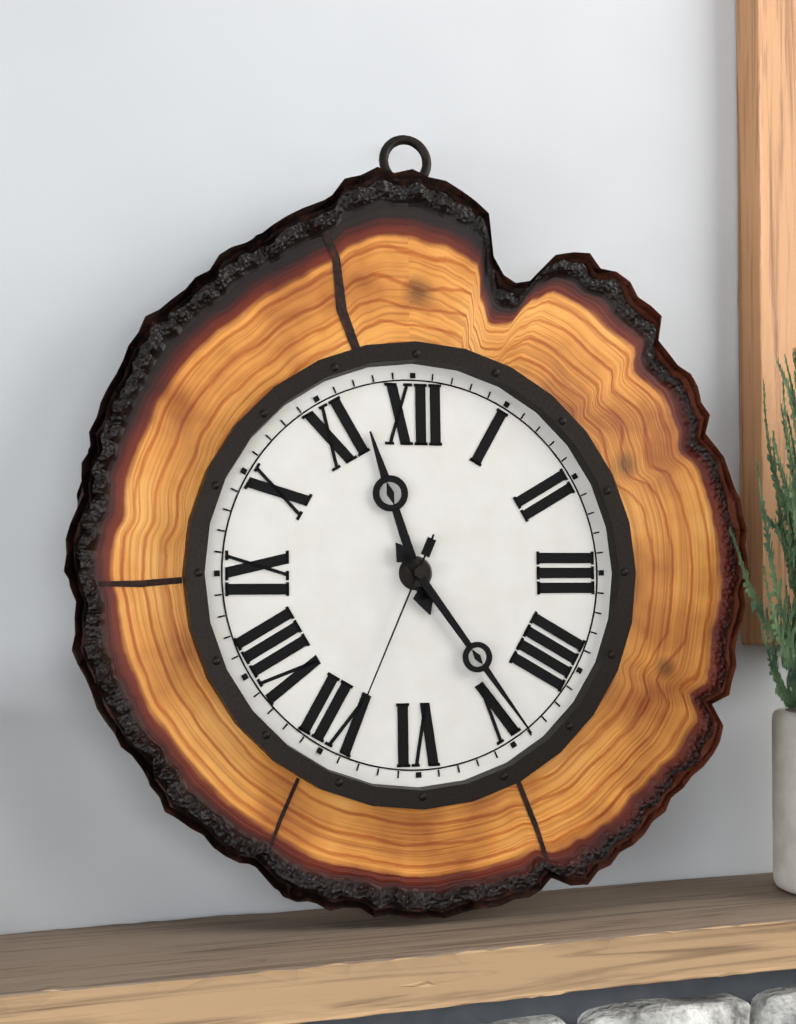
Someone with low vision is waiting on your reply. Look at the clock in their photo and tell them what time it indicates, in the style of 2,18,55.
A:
11,24,34
